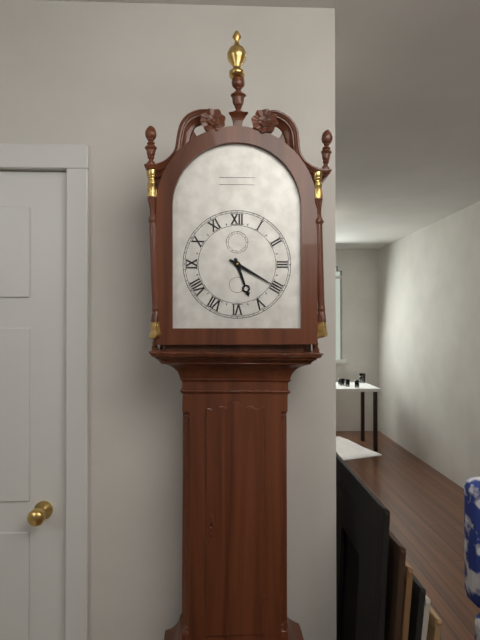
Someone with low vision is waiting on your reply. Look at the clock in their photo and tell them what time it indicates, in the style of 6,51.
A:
5,20
